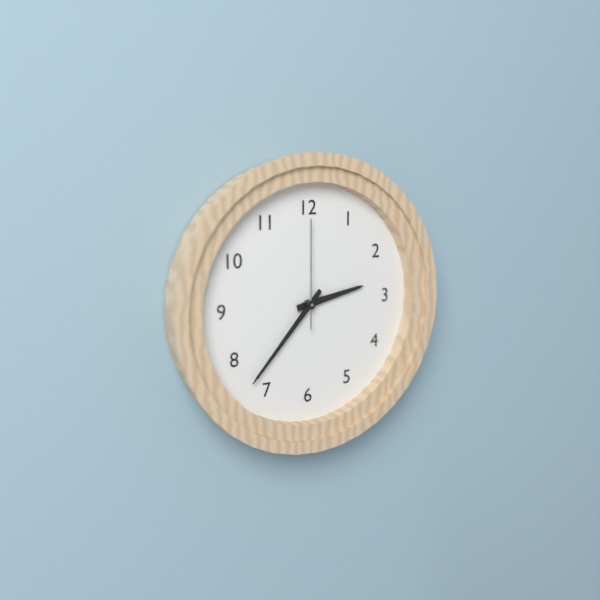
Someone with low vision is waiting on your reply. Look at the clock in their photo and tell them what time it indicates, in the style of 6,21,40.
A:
2,37,00
